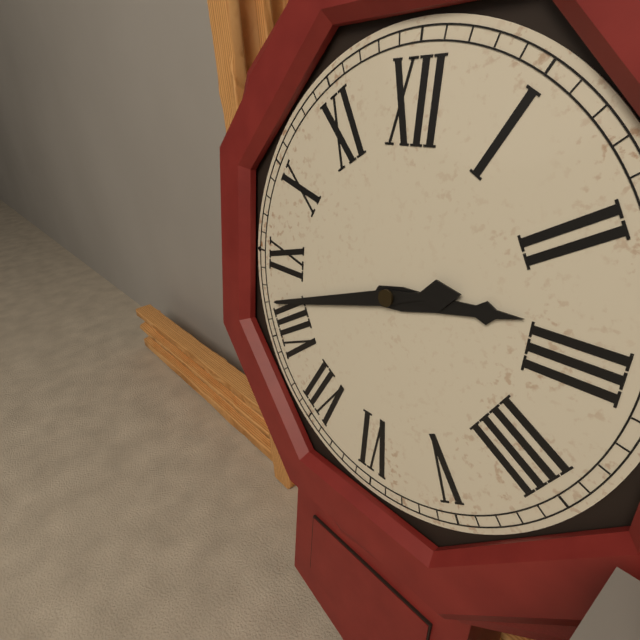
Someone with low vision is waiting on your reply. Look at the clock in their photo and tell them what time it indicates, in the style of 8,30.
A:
2,42
